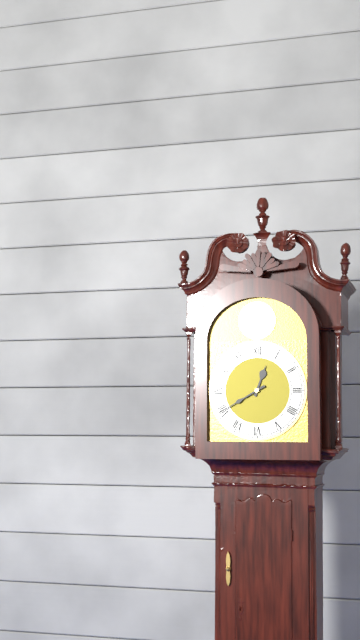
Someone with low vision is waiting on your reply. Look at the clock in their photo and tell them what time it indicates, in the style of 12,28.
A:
12,40
